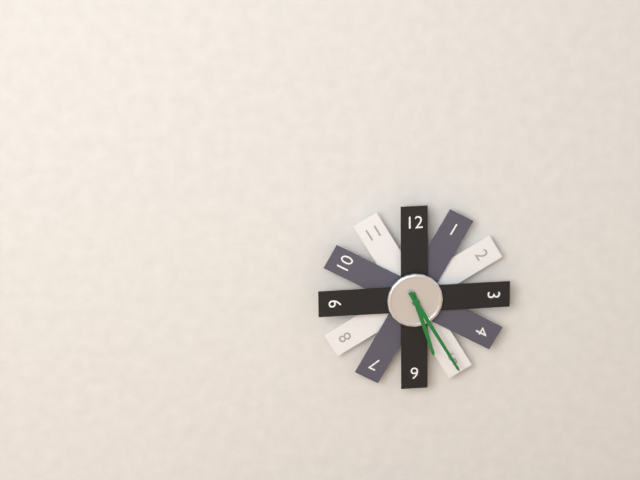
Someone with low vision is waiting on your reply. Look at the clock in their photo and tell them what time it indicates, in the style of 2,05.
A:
5,25
